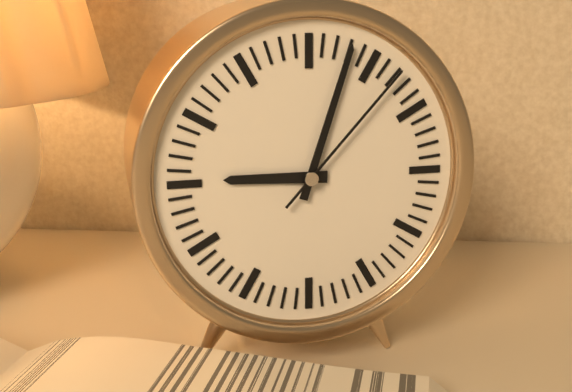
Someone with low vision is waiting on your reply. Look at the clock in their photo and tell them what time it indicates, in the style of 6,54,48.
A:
9,03,07
